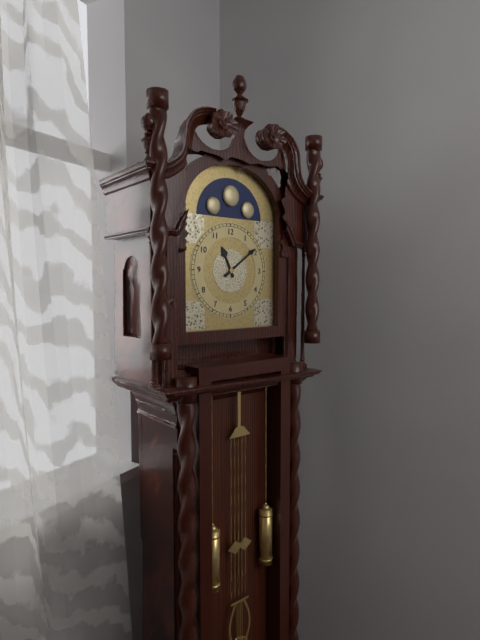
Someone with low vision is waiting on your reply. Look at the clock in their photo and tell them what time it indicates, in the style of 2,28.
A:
11,09
